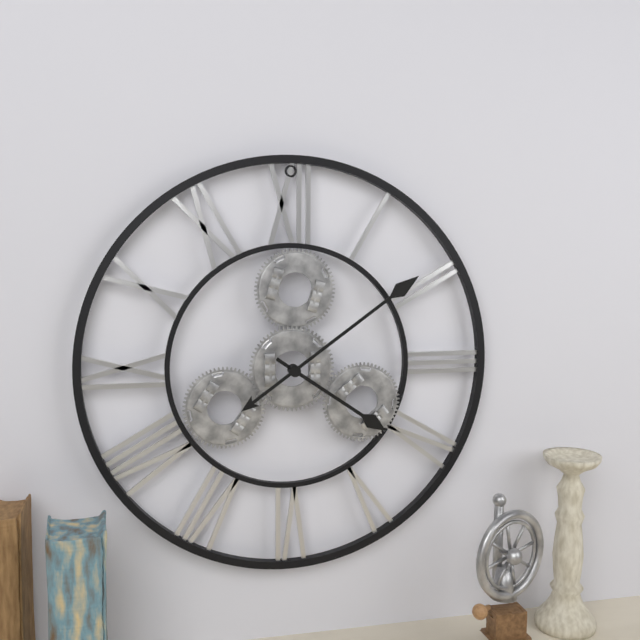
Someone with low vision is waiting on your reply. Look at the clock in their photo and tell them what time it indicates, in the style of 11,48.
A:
4,09
